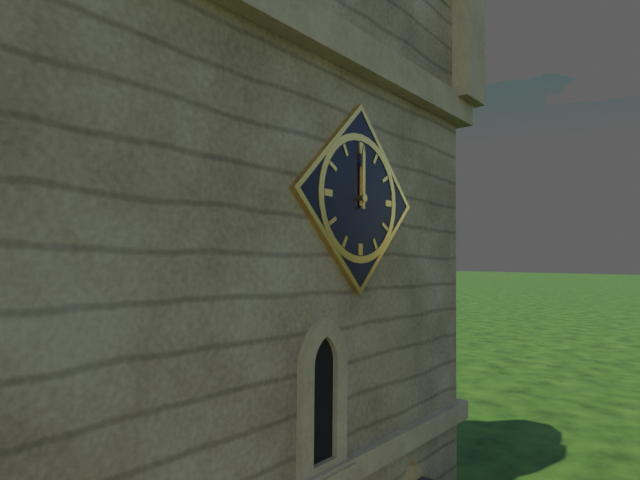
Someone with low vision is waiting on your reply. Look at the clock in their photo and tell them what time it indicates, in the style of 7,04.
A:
12,00
